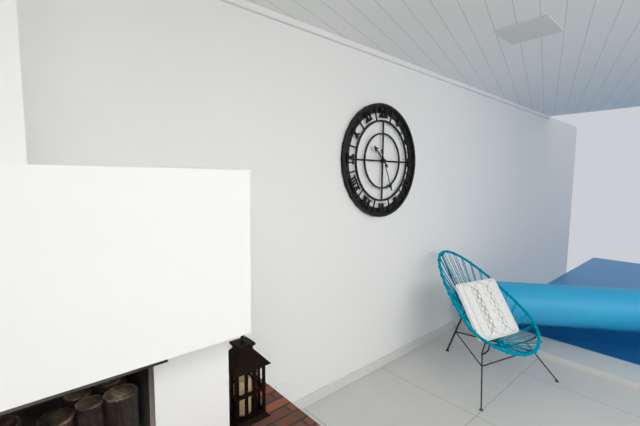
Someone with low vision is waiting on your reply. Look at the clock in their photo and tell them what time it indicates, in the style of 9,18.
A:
10,26
